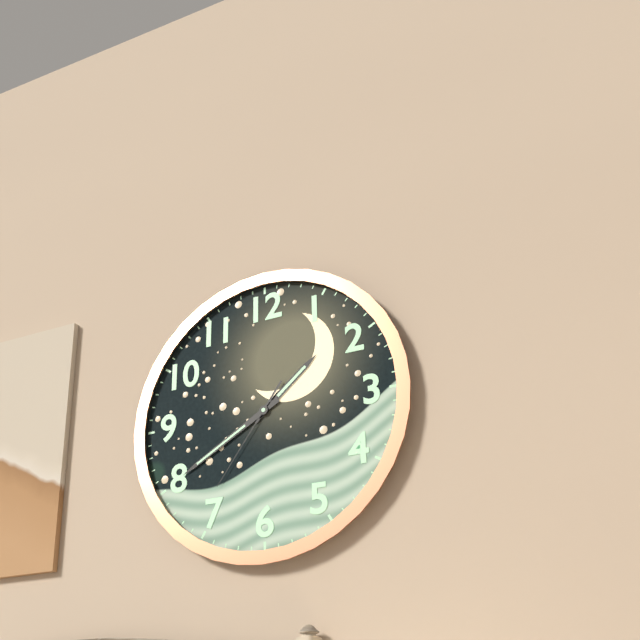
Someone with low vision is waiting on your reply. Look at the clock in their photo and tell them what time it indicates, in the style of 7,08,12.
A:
1,40,36
